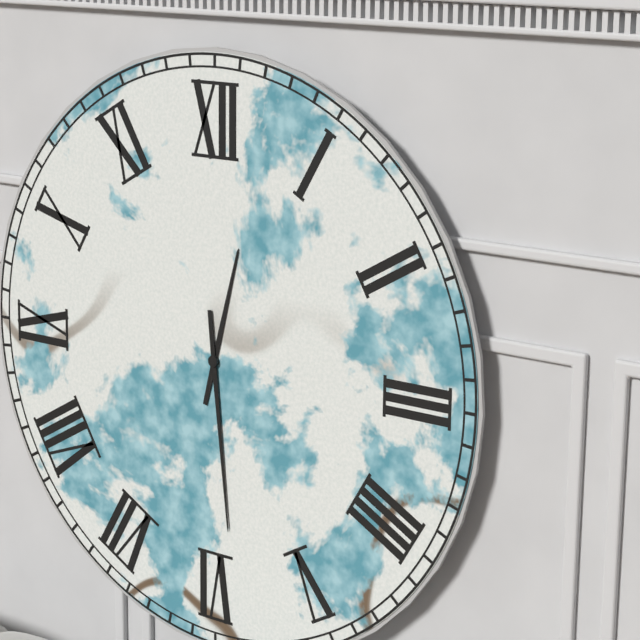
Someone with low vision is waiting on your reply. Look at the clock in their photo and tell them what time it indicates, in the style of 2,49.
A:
12,29
